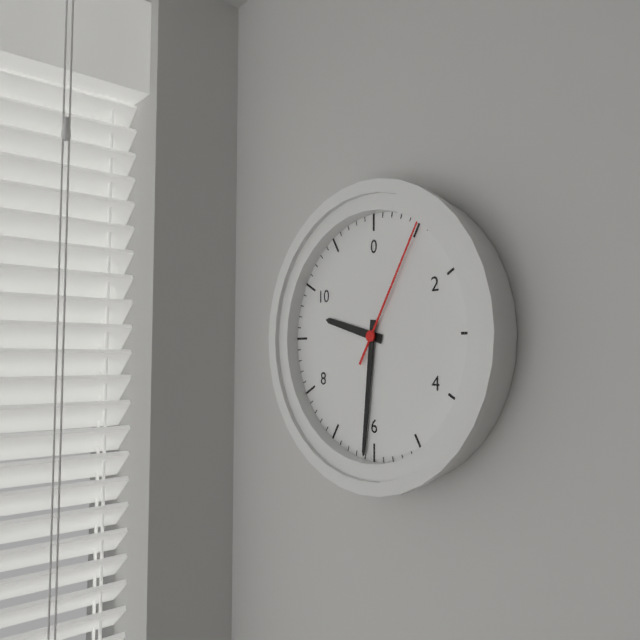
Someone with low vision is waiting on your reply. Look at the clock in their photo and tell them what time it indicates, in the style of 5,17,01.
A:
9,31,05
